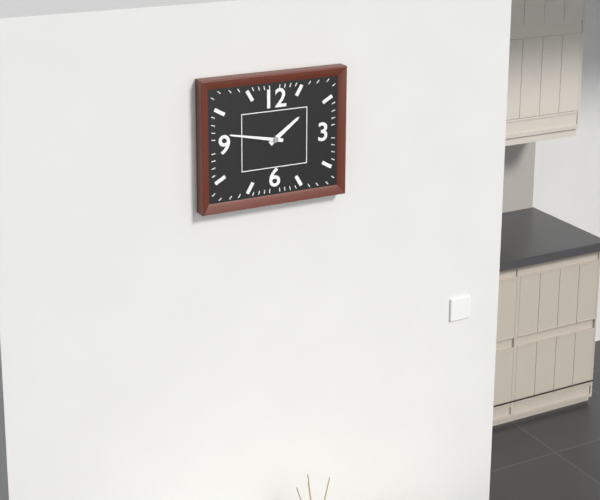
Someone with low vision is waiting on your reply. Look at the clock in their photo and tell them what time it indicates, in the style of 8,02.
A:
1,47
